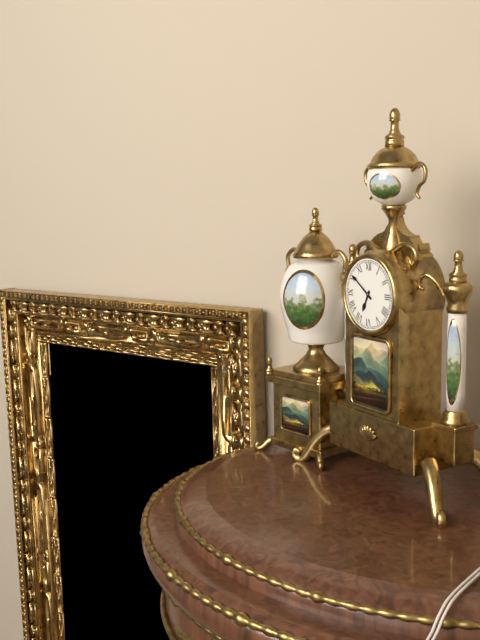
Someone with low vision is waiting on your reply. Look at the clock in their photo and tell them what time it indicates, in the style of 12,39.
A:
6,51
